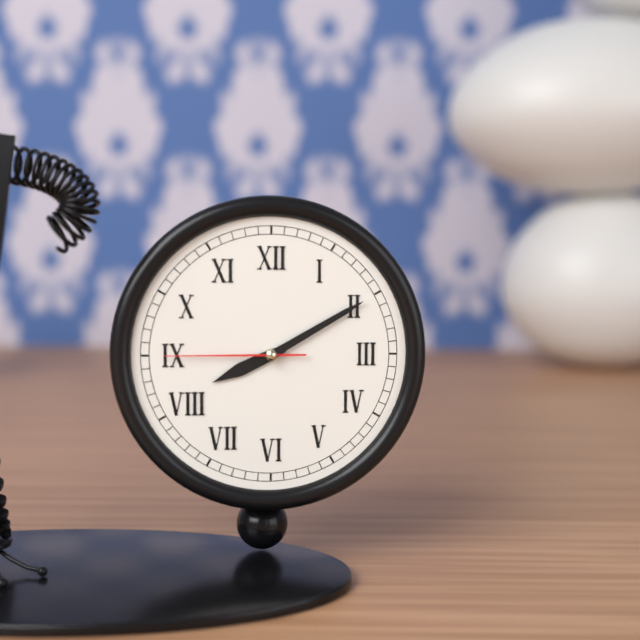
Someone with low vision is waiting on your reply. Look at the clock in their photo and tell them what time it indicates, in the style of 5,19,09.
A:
8,10,45
